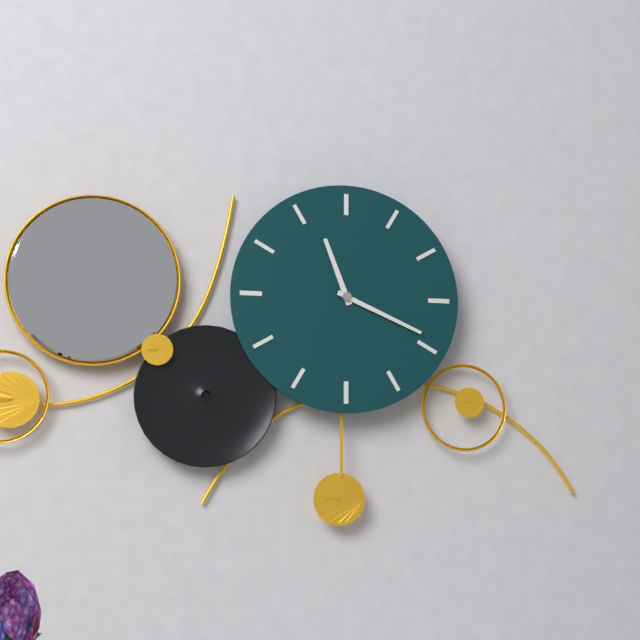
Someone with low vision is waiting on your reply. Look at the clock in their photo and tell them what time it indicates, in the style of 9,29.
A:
11,19
